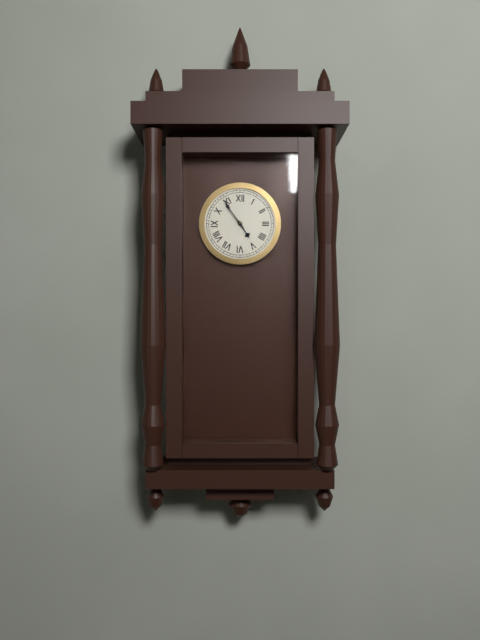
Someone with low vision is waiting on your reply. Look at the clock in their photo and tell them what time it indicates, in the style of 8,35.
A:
4,54
